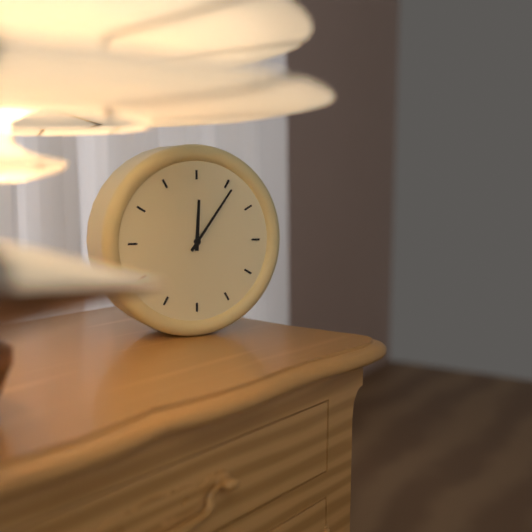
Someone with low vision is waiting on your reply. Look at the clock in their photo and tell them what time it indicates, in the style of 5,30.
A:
12,06
